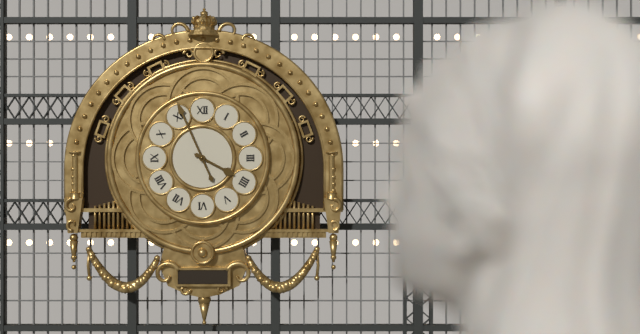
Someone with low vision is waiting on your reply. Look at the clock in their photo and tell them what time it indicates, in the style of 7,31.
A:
3,56
